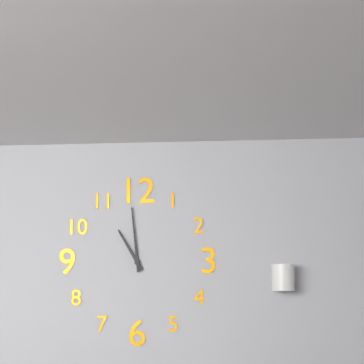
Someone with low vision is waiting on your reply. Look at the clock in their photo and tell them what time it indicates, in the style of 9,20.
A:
10,59
